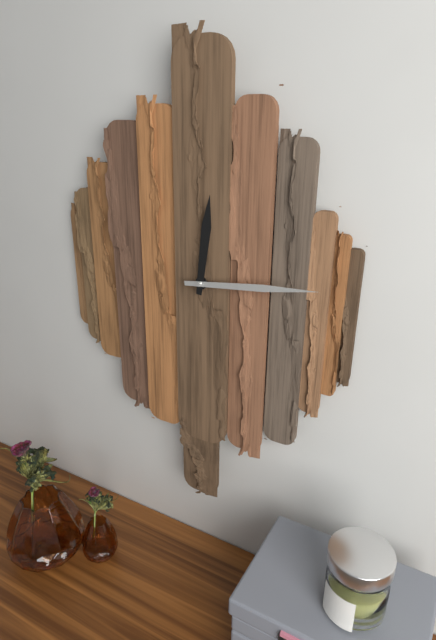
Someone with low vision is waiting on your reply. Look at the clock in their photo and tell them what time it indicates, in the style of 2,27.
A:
12,14
